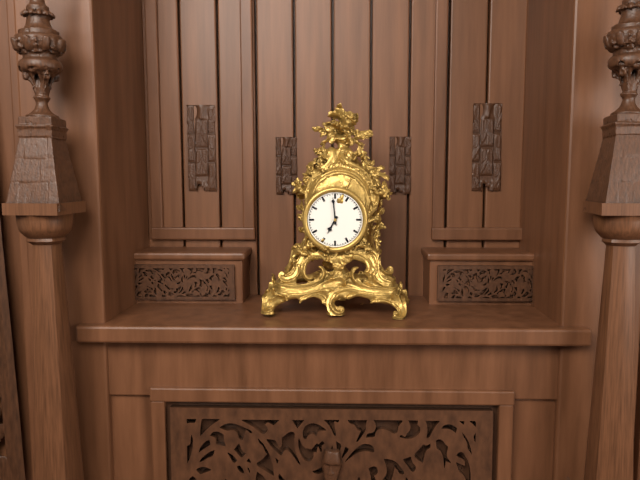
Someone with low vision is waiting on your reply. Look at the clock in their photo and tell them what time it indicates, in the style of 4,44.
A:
6,59
